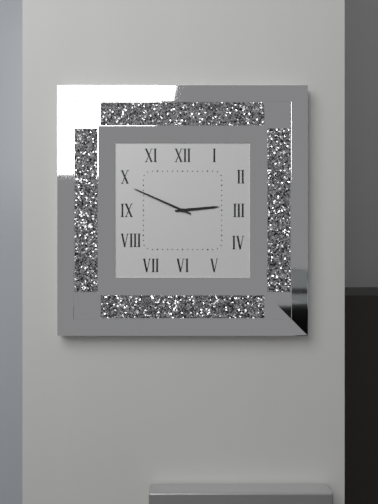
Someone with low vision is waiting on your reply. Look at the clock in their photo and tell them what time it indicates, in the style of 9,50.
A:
2,49
